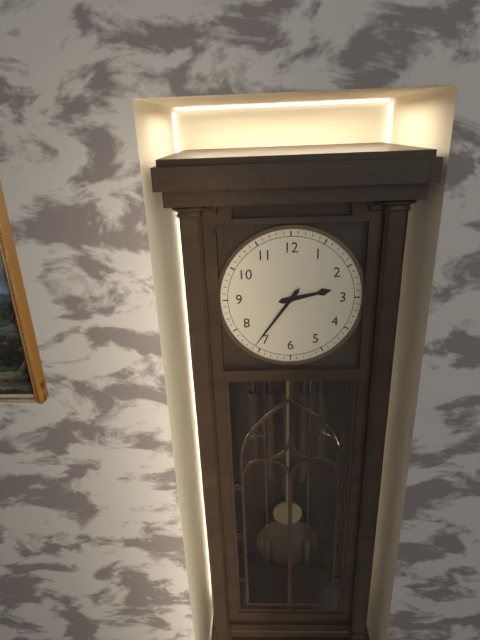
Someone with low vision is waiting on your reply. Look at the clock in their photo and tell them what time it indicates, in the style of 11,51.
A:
2,36
